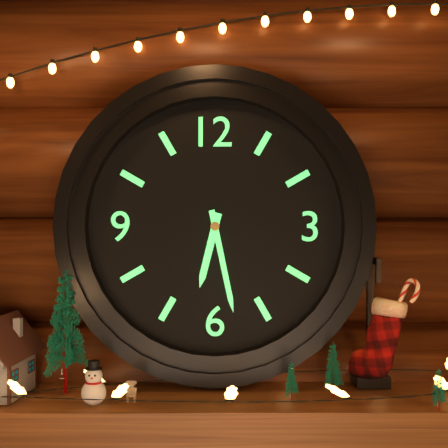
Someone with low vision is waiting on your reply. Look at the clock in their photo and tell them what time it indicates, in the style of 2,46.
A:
6,28
